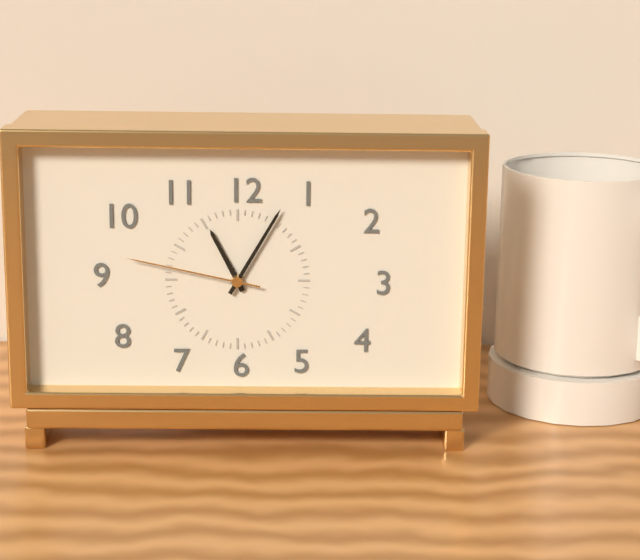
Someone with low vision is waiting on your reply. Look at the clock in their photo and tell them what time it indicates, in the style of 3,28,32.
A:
11,05,47
